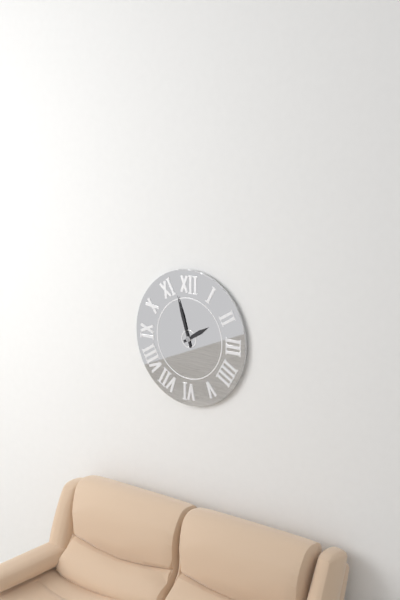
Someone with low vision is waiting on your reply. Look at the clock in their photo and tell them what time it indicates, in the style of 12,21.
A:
1,57
